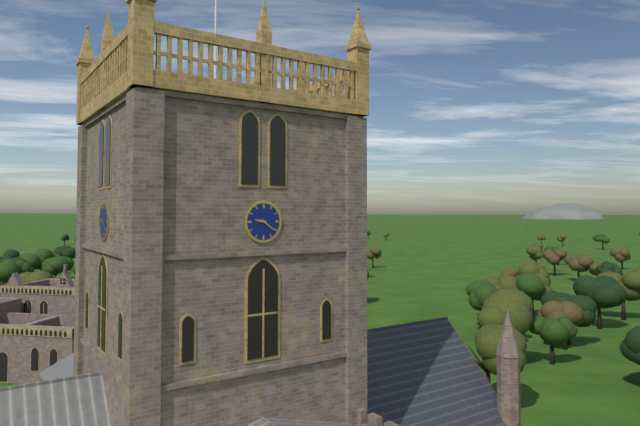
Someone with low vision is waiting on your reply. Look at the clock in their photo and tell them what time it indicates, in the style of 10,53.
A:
9,21
